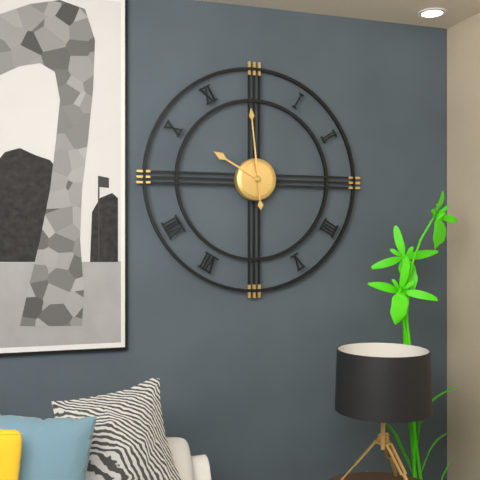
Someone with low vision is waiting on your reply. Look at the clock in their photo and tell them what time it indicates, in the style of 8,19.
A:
9,59
